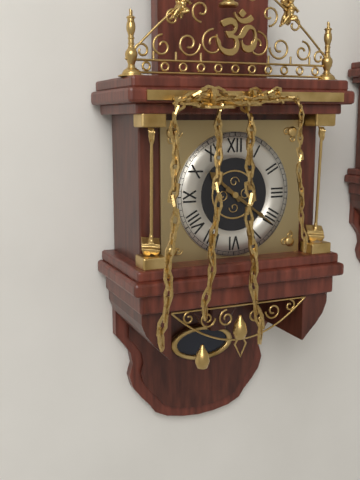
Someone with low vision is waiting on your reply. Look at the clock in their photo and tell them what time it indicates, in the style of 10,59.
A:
10,21
